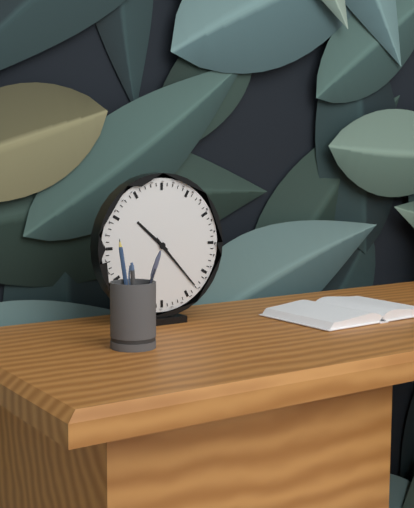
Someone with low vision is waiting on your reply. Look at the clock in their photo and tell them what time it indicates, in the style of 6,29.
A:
10,23
